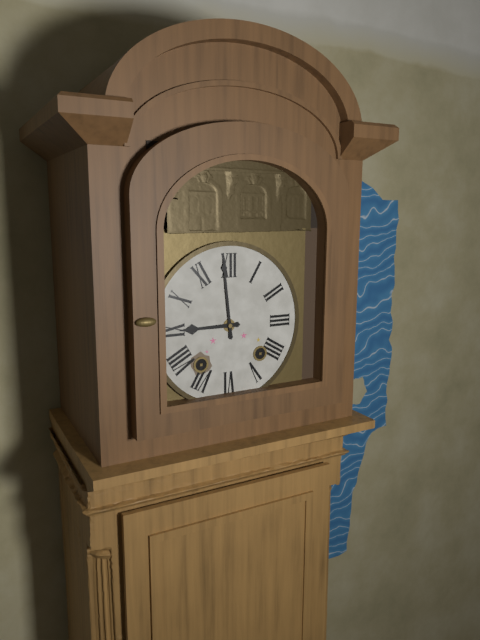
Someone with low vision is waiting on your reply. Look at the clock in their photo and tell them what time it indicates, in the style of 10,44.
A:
8,59
